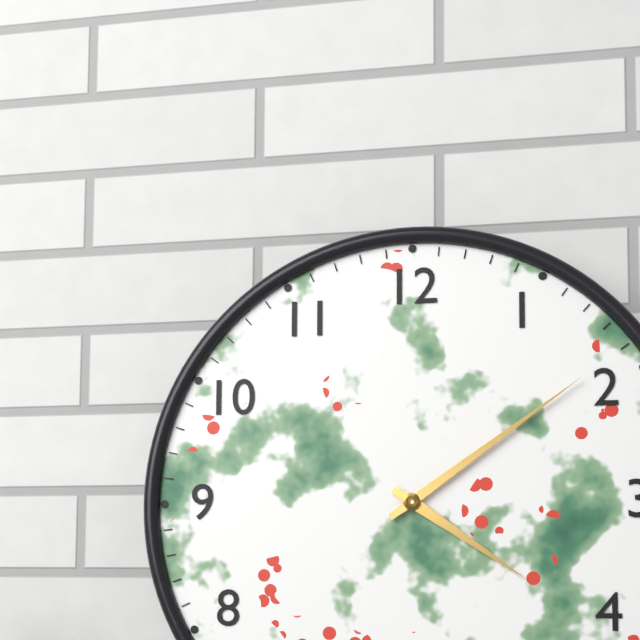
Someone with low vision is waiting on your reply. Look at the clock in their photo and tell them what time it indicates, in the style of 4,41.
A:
4,09
